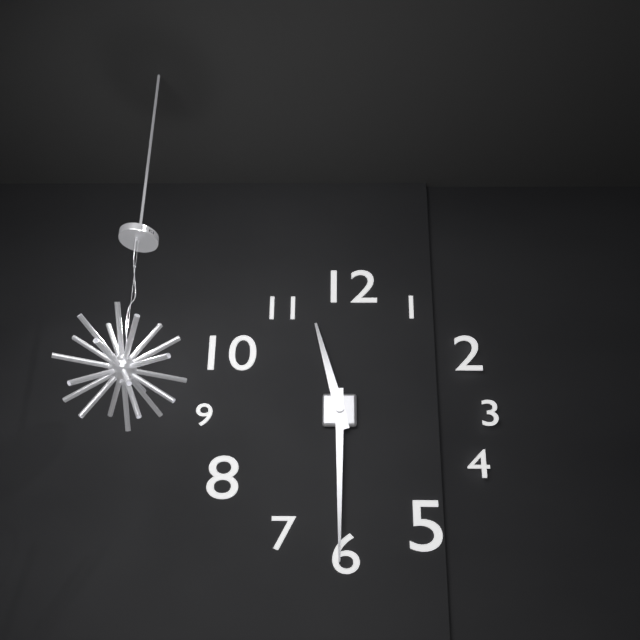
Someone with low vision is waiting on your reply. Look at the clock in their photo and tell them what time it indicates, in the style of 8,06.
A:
11,30
